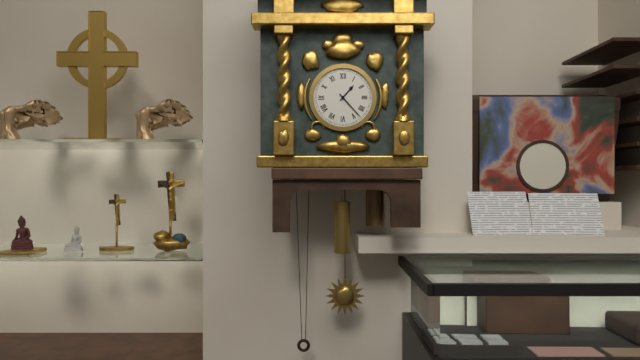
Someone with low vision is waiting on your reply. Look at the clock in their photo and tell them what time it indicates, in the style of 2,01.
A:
1,23
